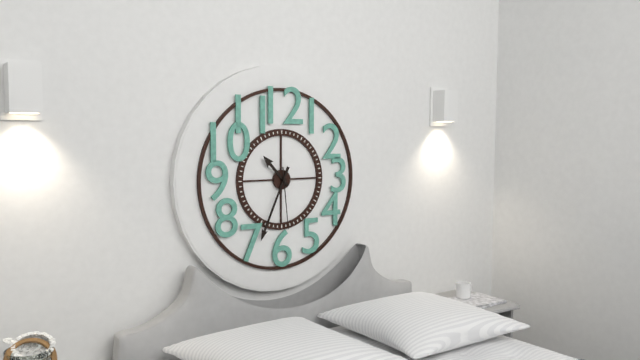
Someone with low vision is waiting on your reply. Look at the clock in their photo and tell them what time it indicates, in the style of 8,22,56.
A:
10,34,29
